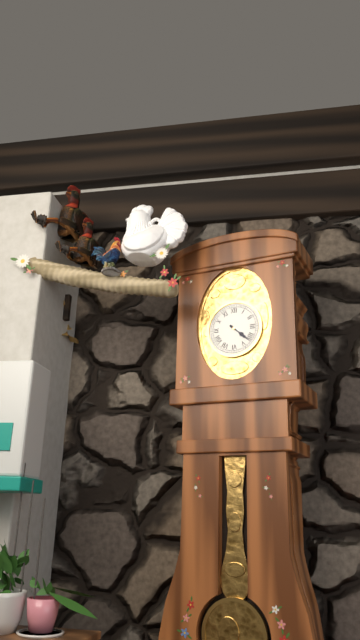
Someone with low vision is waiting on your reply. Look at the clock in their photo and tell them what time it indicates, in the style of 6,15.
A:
4,22
